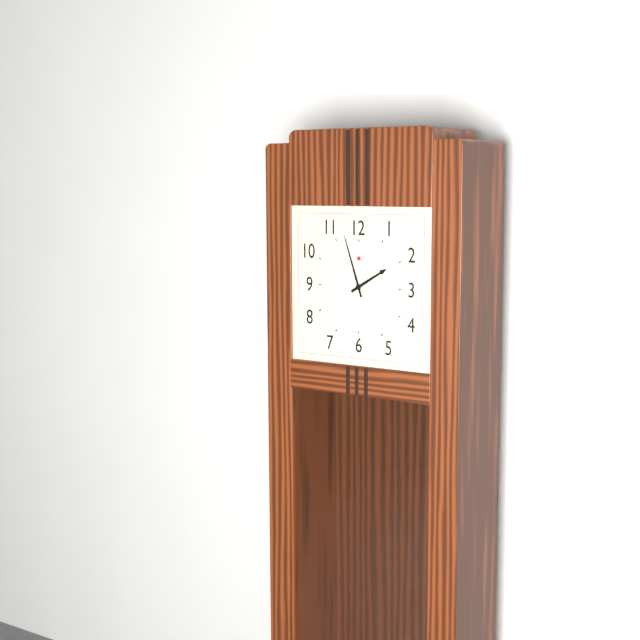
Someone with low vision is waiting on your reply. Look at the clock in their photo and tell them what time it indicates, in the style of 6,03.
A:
1,57
